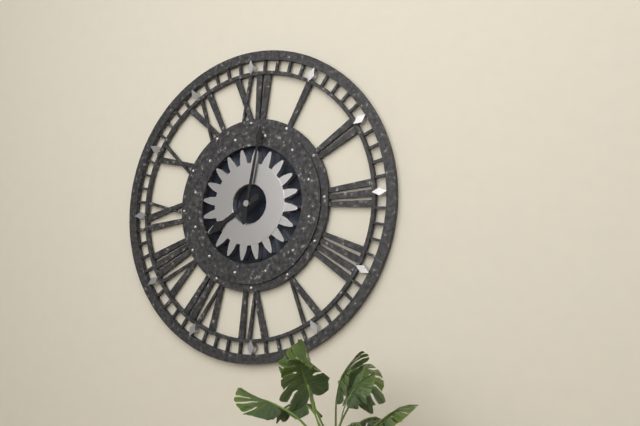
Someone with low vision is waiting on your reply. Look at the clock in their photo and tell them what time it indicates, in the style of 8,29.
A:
8,02
